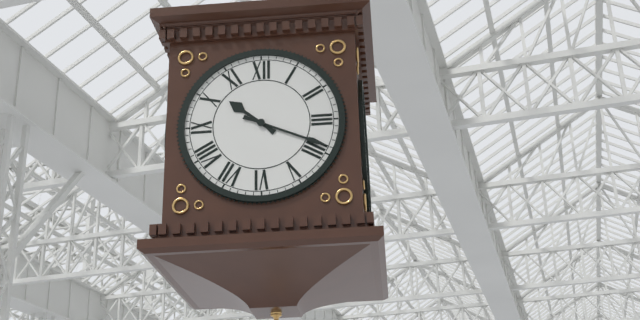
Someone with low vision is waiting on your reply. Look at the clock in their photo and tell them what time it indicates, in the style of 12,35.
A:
10,19
